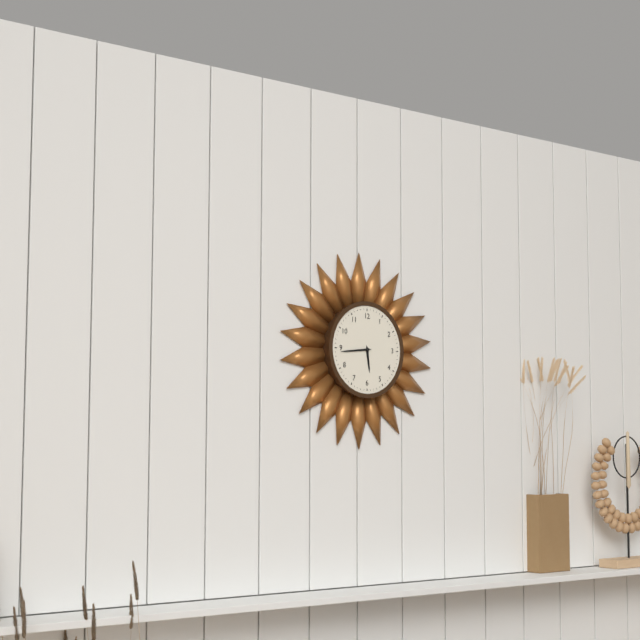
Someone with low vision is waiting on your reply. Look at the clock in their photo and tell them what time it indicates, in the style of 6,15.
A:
5,44
